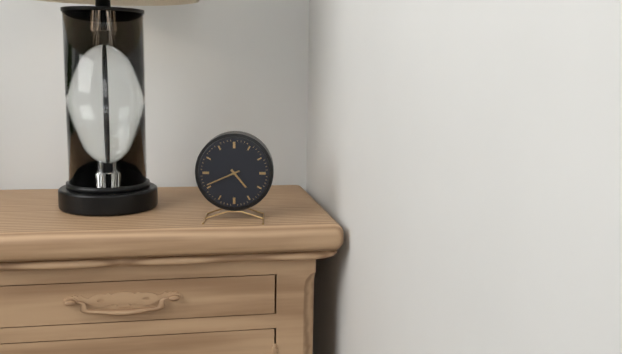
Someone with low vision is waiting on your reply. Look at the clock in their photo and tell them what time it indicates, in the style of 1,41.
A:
4,41
